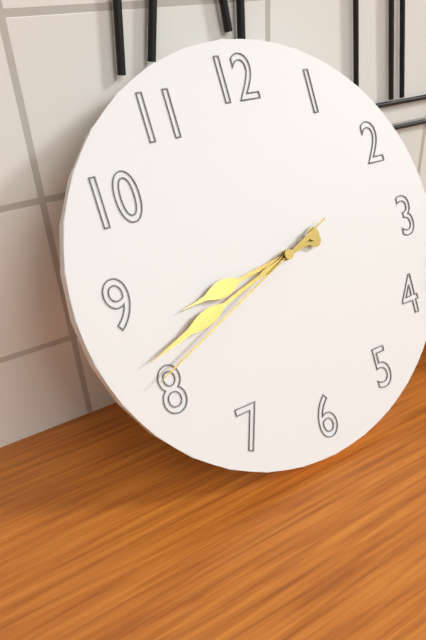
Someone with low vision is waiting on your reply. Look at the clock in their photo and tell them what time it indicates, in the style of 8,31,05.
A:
8,42,41
